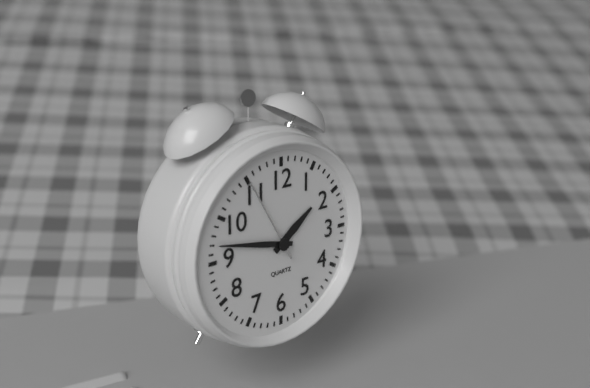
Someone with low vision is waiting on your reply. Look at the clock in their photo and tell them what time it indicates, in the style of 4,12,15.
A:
1,47,55
